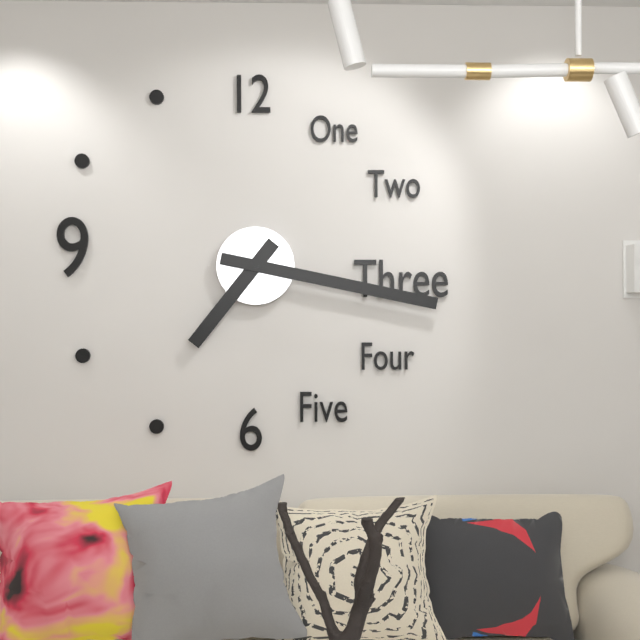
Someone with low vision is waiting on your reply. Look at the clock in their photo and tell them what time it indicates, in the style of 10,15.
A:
7,17
